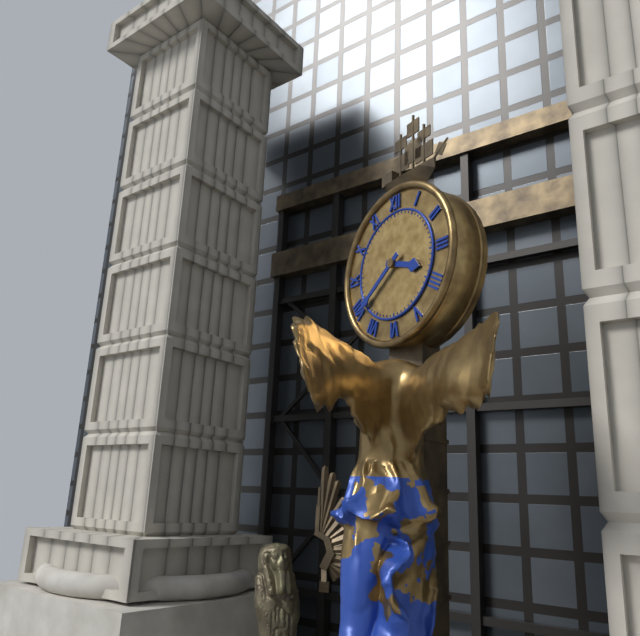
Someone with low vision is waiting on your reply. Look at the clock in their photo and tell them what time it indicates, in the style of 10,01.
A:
3,39
